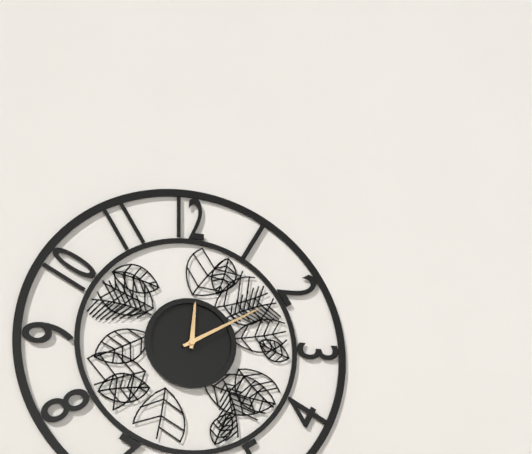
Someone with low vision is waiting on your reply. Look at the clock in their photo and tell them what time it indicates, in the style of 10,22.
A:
12,10
